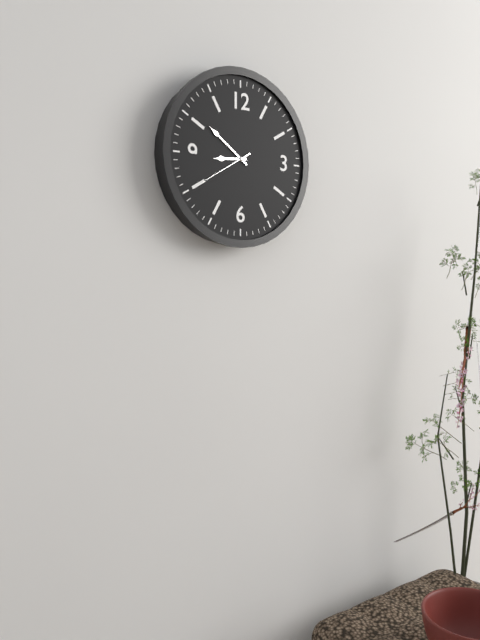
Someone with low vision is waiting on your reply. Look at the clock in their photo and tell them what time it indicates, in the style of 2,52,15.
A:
8,51,40
